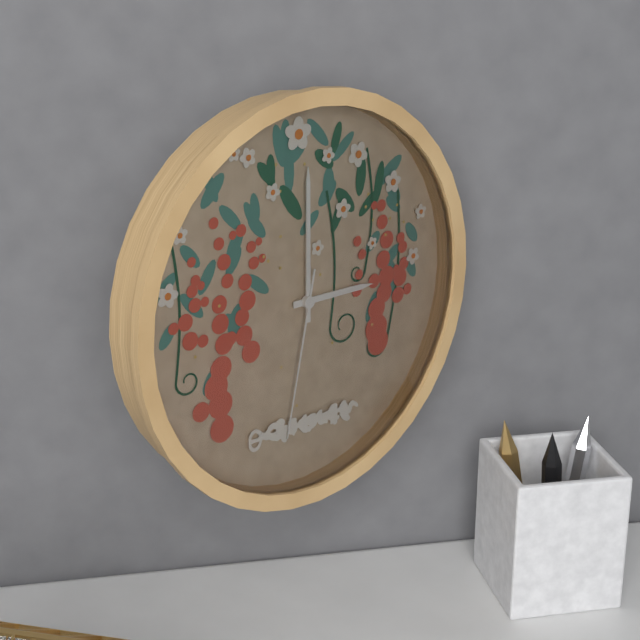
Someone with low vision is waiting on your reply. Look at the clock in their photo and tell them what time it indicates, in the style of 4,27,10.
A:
3,00,32
